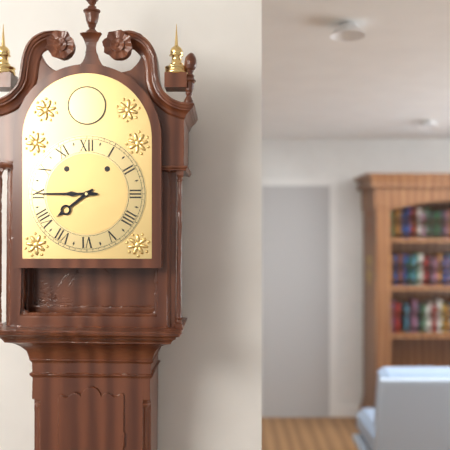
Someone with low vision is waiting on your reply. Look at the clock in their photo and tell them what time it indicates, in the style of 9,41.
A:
7,45
